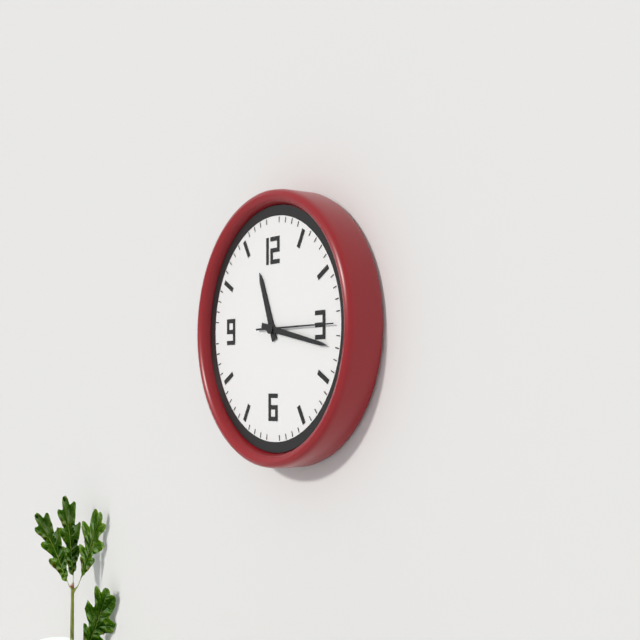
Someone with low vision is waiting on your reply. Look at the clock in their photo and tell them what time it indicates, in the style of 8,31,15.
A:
11,17,15
